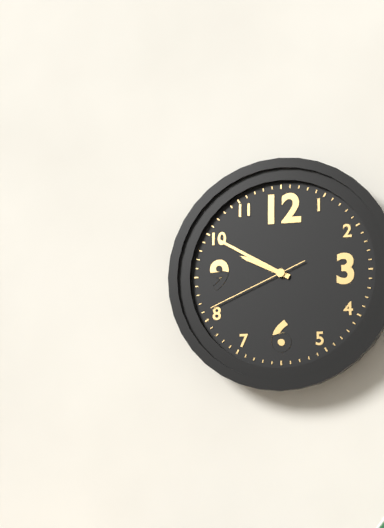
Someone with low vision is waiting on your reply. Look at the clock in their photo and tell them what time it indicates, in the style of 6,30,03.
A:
9,50,41
